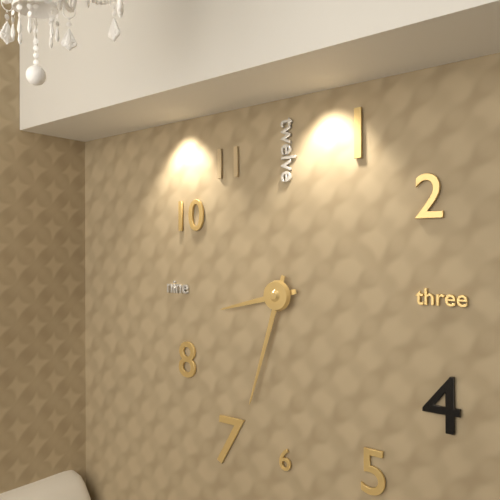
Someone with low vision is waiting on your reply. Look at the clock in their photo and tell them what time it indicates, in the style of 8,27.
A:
8,33
